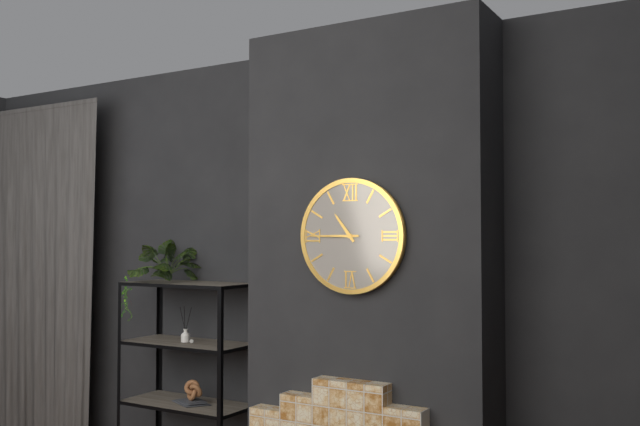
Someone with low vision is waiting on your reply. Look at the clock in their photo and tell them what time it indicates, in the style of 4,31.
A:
10,45
